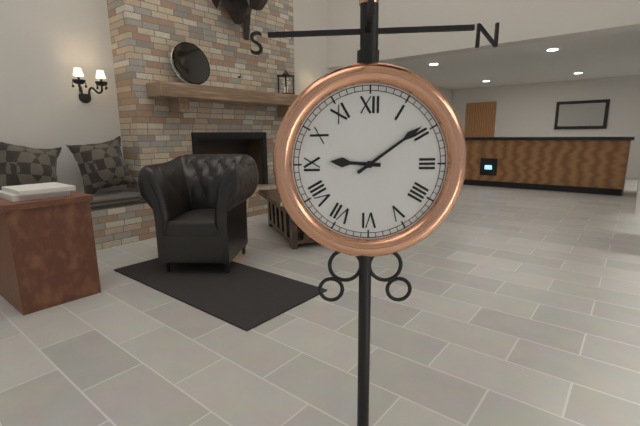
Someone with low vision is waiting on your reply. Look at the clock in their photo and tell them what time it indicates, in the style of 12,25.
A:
9,09
